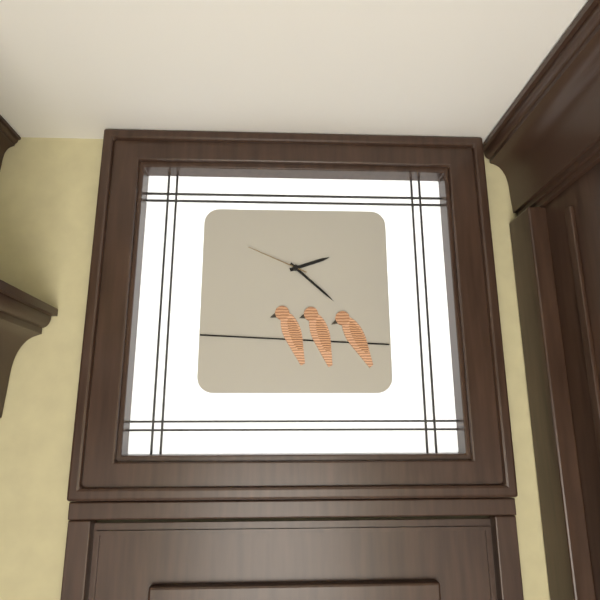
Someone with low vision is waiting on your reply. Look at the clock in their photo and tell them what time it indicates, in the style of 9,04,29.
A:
2,22,49
